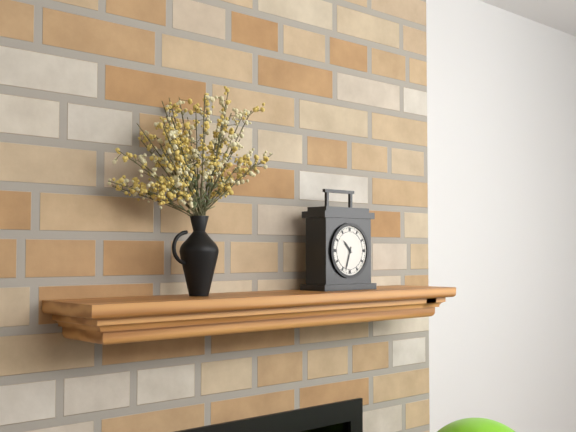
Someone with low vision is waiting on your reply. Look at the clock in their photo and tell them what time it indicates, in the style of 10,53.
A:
10,33
